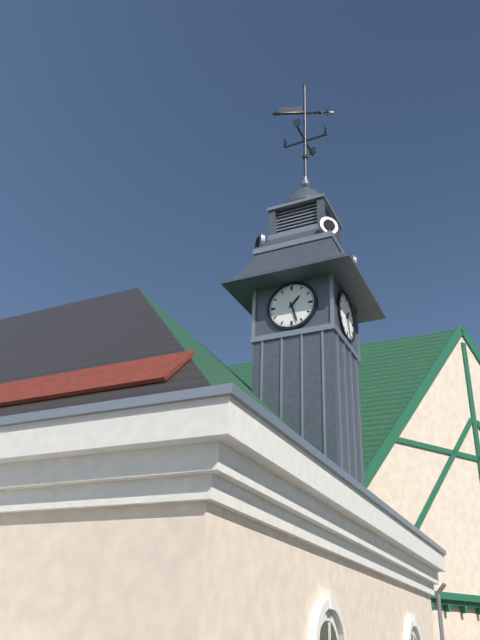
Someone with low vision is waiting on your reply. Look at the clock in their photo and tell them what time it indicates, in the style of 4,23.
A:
1,27
